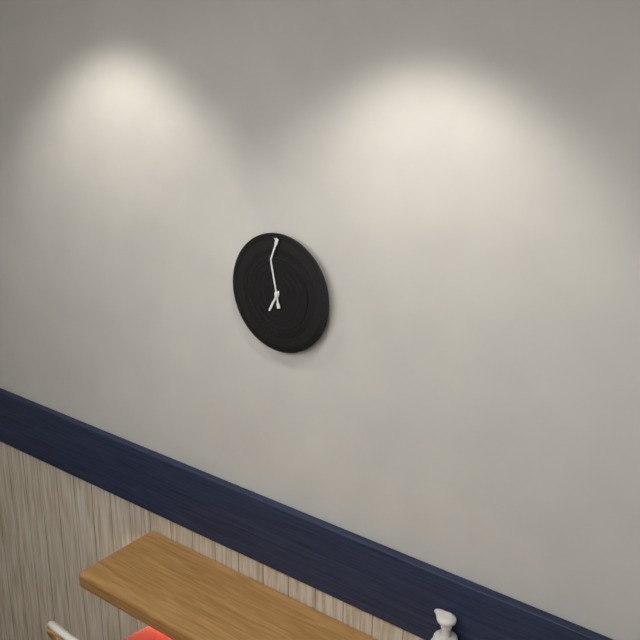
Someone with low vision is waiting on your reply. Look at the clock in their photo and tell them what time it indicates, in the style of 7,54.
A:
6,58
